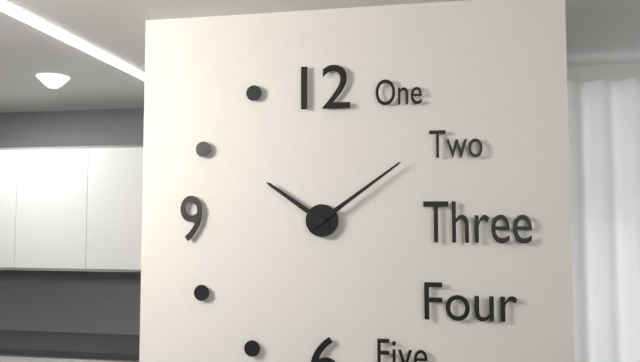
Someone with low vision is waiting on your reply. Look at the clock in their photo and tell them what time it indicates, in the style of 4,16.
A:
10,09
